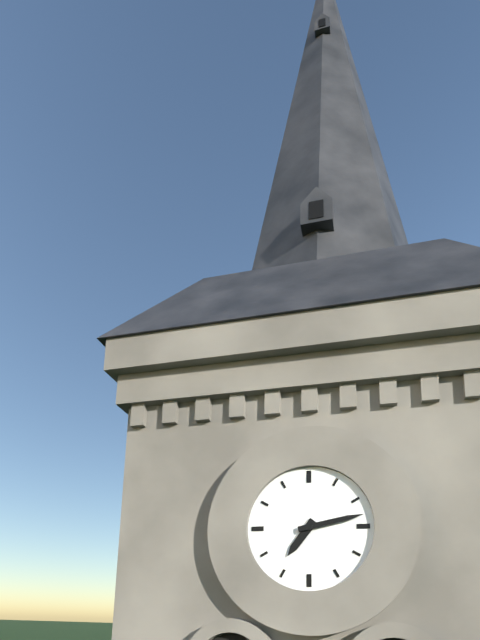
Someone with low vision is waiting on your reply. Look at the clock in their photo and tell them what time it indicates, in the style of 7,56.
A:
7,13
